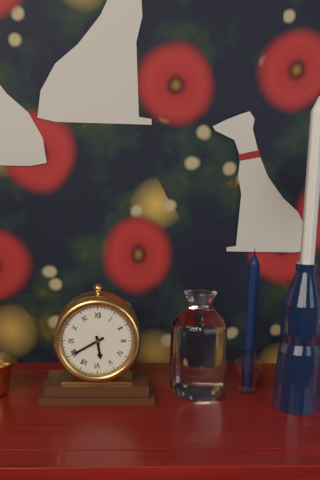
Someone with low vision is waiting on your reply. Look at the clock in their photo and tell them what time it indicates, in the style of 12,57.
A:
5,40
